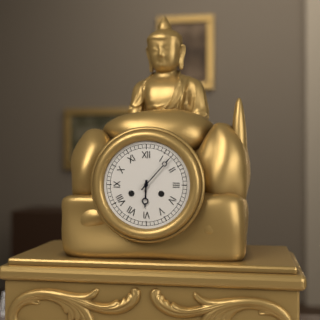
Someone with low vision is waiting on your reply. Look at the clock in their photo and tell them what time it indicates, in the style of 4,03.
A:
6,07
